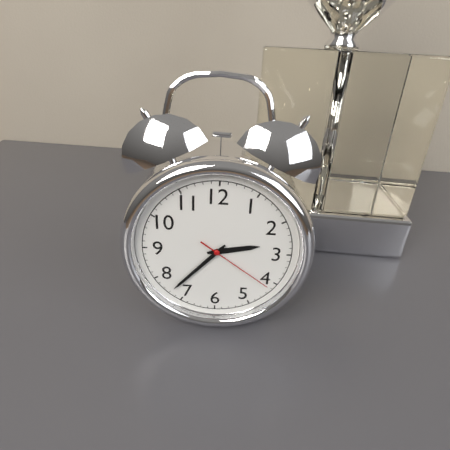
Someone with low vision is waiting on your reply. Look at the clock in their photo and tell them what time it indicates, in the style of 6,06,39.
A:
2,37,21
